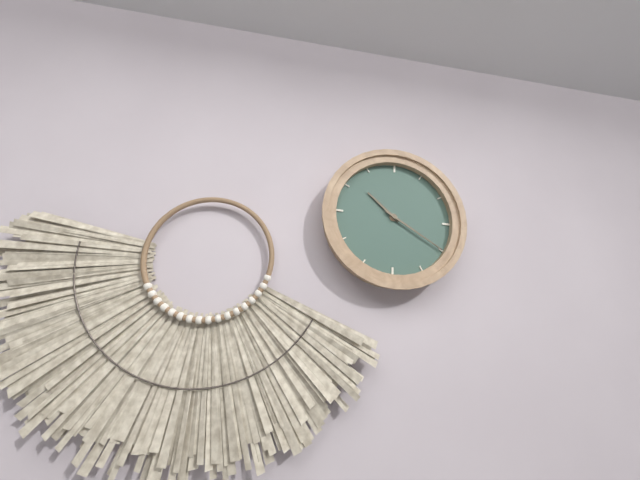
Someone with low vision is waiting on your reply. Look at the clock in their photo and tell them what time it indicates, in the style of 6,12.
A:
10,20
